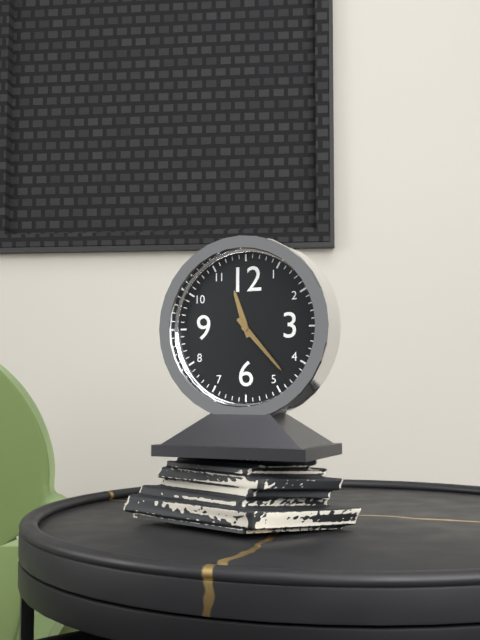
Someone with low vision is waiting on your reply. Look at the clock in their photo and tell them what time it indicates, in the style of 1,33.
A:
11,23
